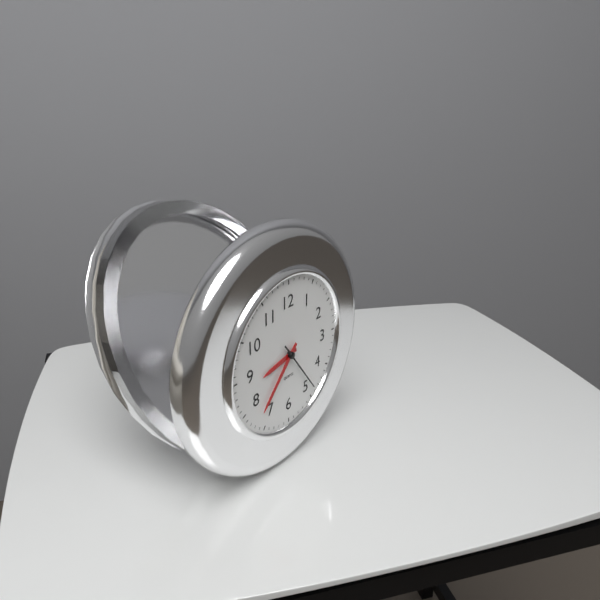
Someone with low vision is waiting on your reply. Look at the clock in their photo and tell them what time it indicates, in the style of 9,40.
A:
8,37
